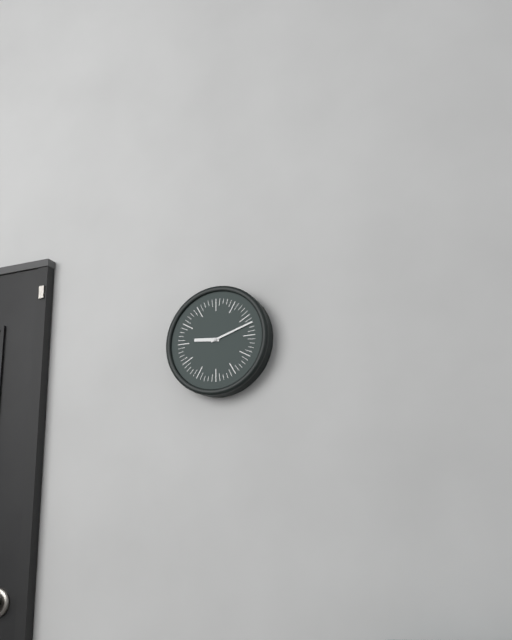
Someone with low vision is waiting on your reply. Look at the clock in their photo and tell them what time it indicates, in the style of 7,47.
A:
9,12
